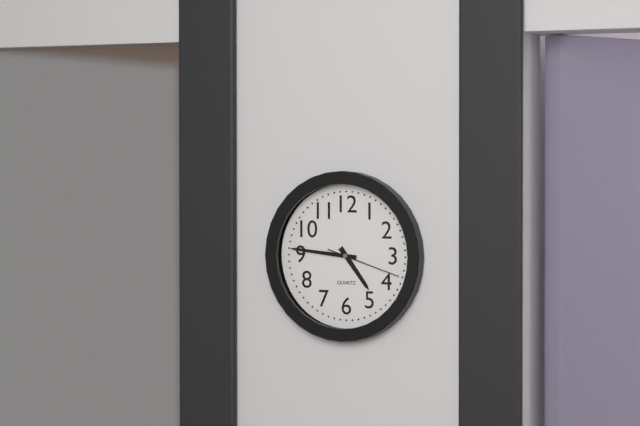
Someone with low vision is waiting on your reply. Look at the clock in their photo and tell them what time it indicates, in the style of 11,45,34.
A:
4,46,18
